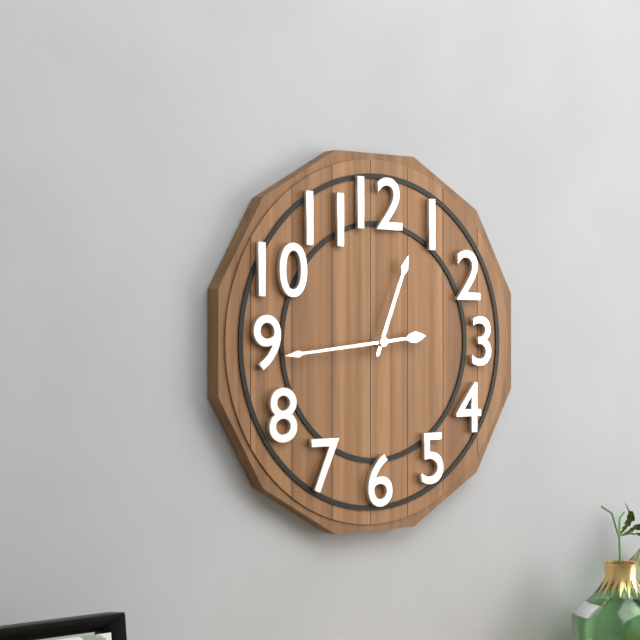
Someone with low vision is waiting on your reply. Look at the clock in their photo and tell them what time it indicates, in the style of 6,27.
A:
12,44
